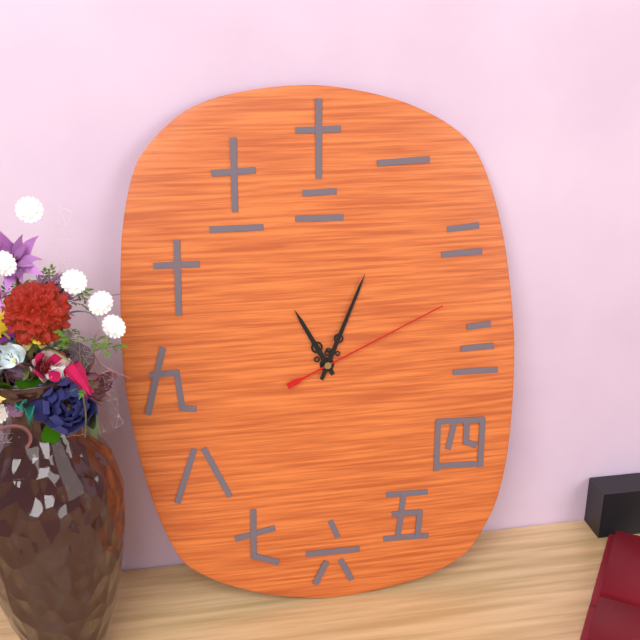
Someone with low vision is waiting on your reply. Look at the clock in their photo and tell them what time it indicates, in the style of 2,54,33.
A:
11,04,11
